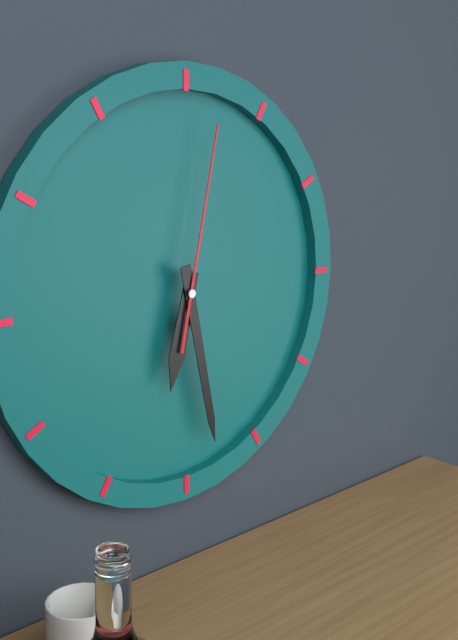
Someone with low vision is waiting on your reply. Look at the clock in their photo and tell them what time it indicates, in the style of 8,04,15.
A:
6,28,02
